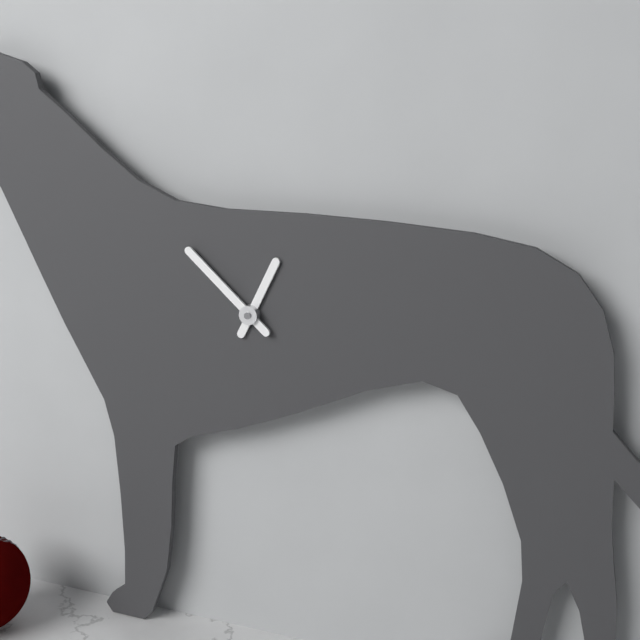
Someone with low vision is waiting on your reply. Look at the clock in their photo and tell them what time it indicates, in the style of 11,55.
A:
12,52
